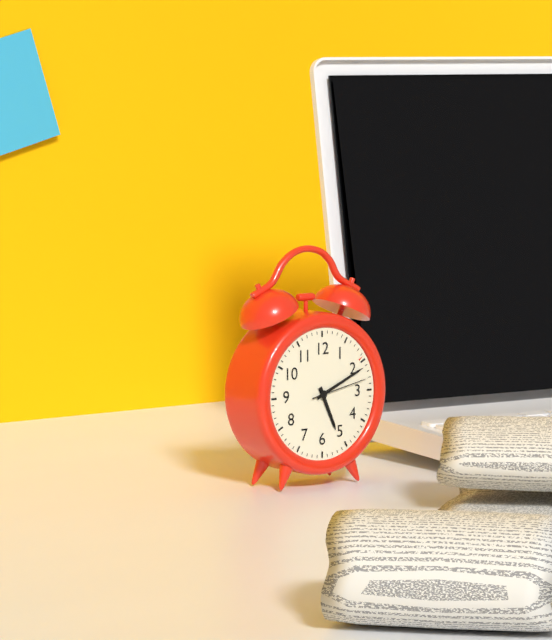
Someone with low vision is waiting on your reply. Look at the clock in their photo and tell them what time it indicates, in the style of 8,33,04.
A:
5,11,13
